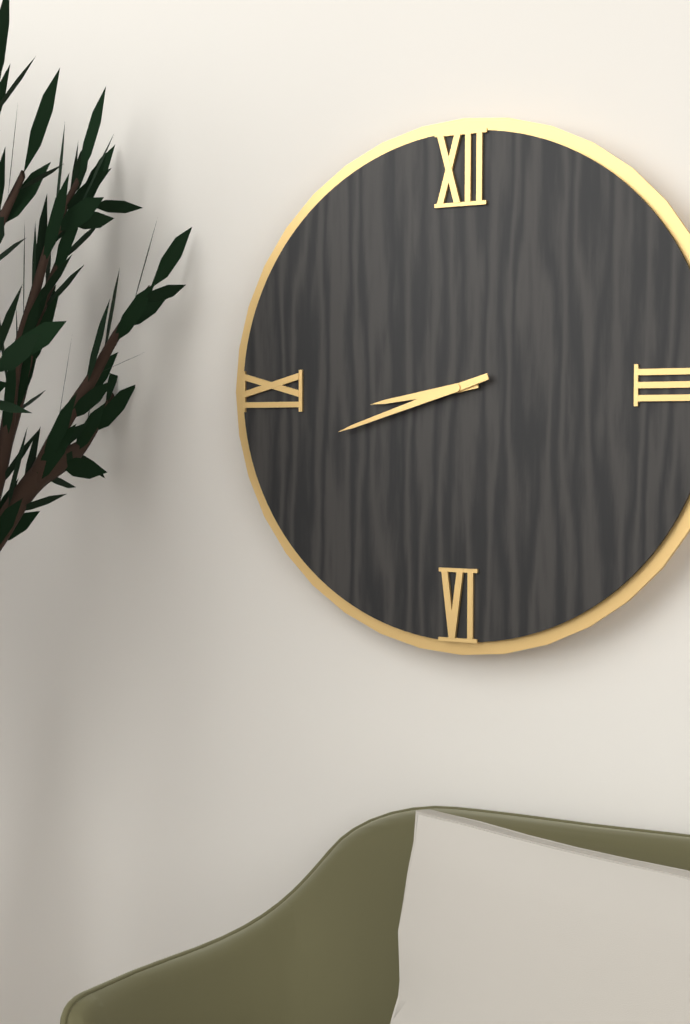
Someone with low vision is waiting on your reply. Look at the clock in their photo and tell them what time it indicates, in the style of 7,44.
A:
8,42
